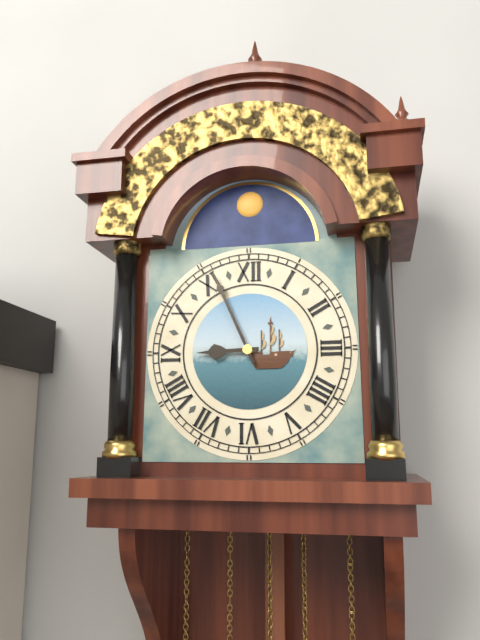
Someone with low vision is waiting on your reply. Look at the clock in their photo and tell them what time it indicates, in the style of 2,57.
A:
8,56
